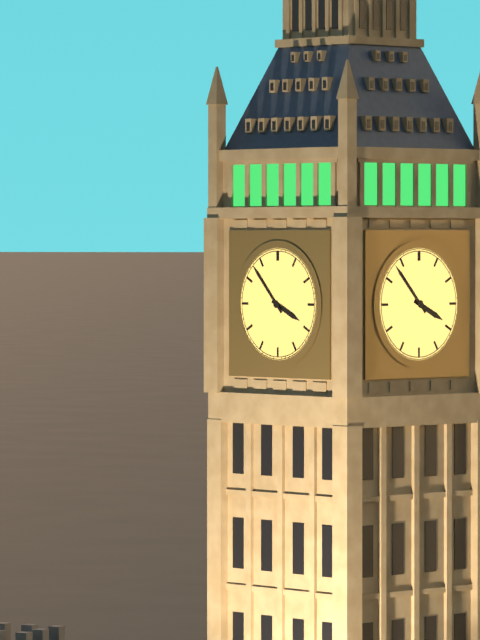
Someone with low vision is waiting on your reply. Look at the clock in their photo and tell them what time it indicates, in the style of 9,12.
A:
3,53
